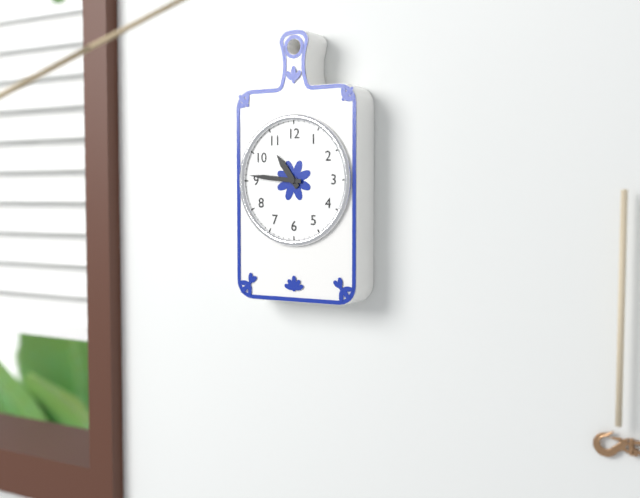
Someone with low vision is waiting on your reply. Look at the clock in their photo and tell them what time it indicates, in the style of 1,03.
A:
10,46
